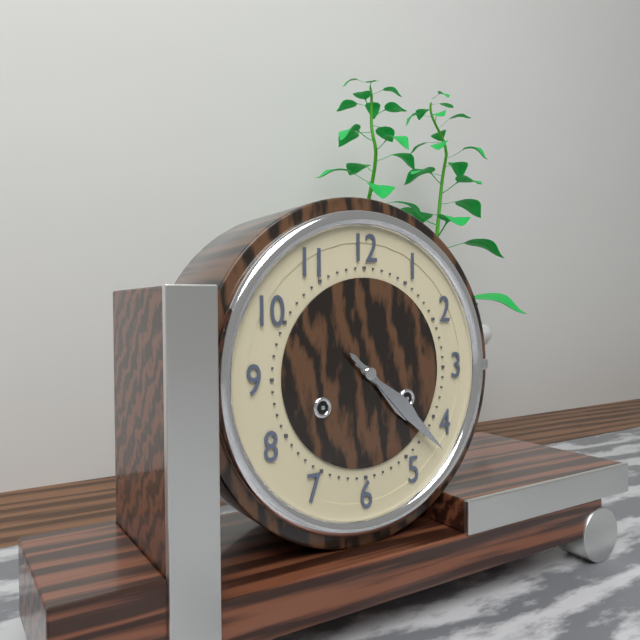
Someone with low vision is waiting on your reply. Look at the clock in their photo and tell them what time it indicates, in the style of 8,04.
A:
4,22
